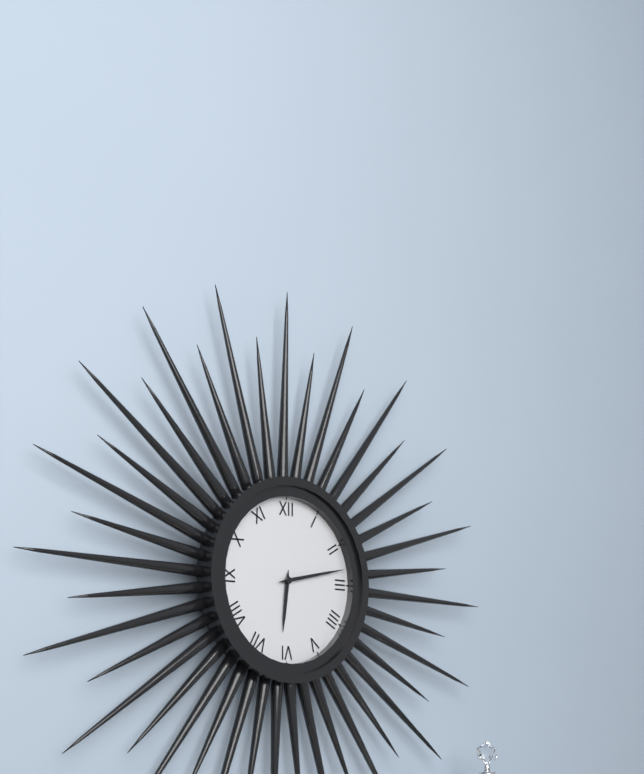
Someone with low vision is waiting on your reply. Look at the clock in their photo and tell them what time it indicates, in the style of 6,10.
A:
6,13
